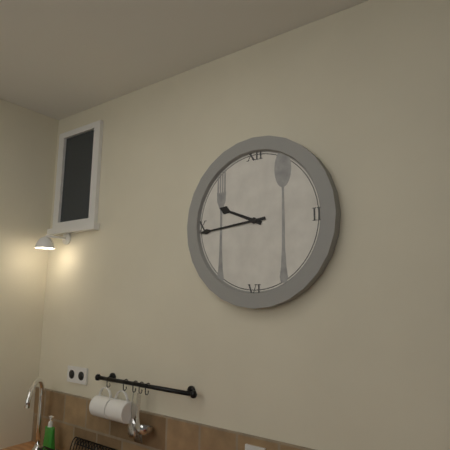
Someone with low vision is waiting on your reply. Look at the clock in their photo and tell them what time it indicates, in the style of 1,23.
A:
9,44
